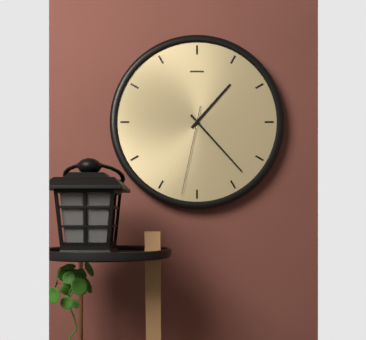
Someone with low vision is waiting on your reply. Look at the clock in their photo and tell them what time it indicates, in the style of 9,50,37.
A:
1,23,32
